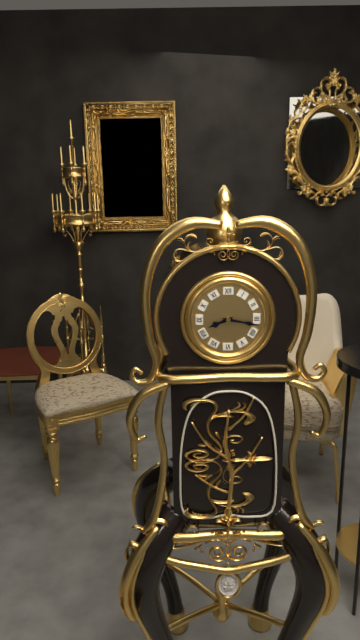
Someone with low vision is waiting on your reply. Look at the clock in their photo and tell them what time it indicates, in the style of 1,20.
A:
8,17
